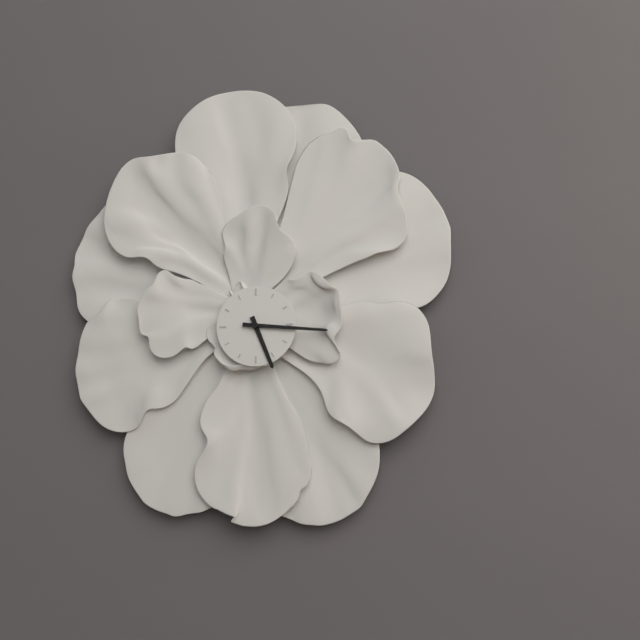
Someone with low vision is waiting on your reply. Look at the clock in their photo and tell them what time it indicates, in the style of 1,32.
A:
5,16
